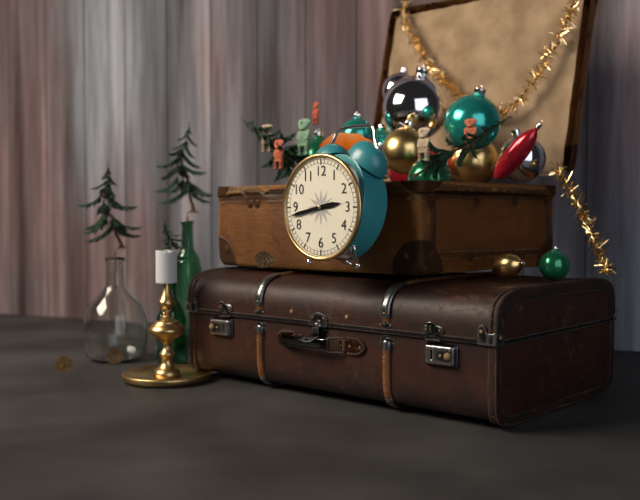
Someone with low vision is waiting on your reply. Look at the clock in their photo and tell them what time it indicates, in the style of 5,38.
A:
2,43
